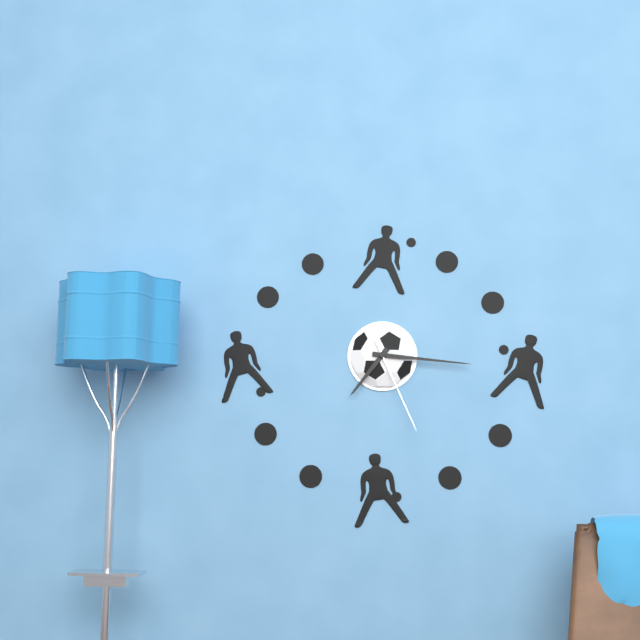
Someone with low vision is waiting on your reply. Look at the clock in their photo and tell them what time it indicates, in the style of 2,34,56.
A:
7,16,26
